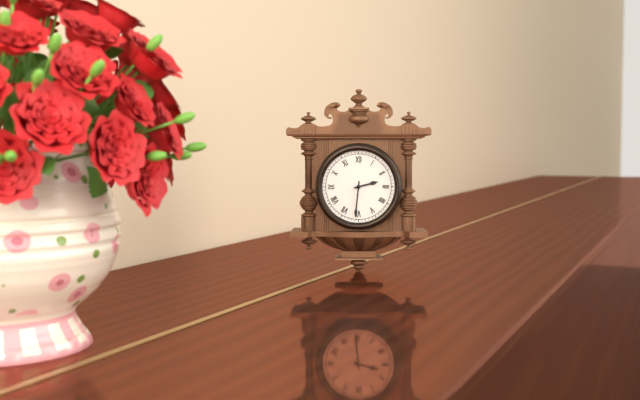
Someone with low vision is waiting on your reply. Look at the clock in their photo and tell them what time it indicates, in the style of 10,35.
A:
2,31
